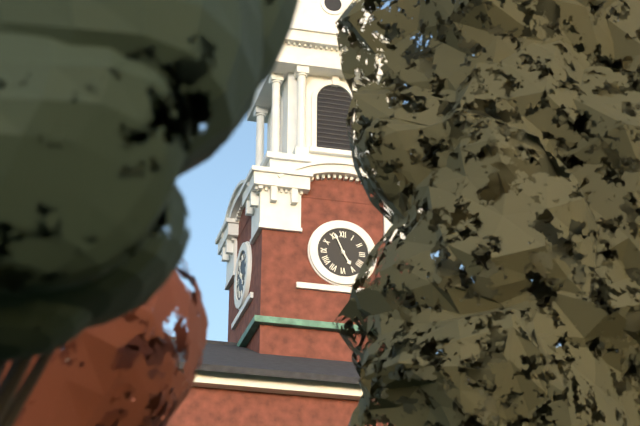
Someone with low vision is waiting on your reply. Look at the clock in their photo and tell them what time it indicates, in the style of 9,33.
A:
4,56
